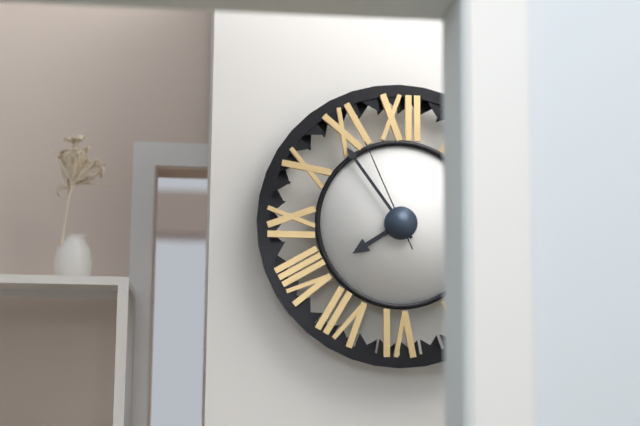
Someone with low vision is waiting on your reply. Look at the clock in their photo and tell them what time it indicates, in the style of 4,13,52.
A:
7,54,56
